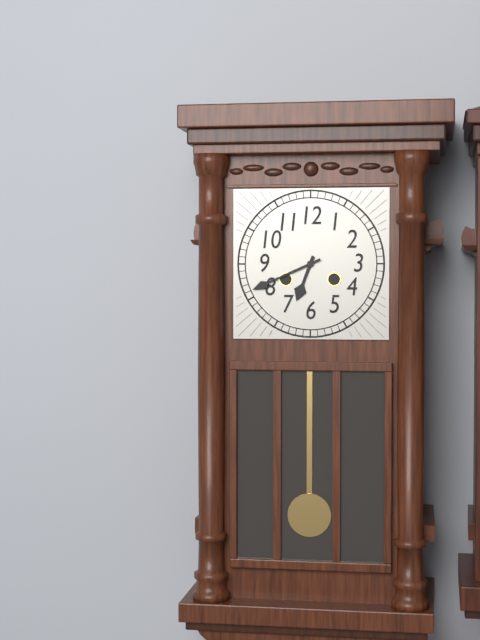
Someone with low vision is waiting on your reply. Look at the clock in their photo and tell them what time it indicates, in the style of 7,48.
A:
6,41
